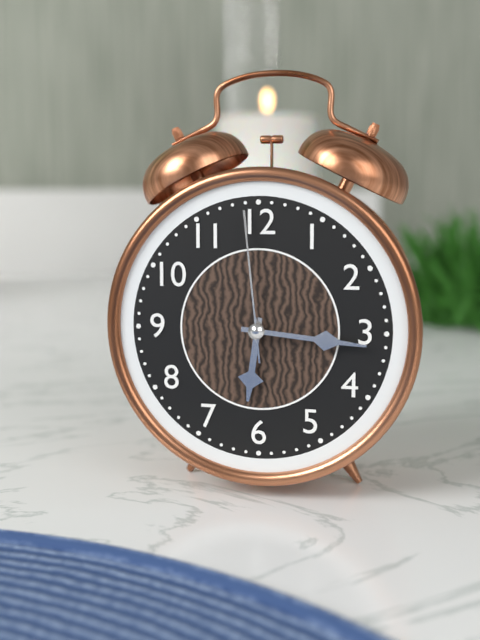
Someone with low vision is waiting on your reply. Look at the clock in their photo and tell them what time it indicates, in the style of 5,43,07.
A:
6,16,59
